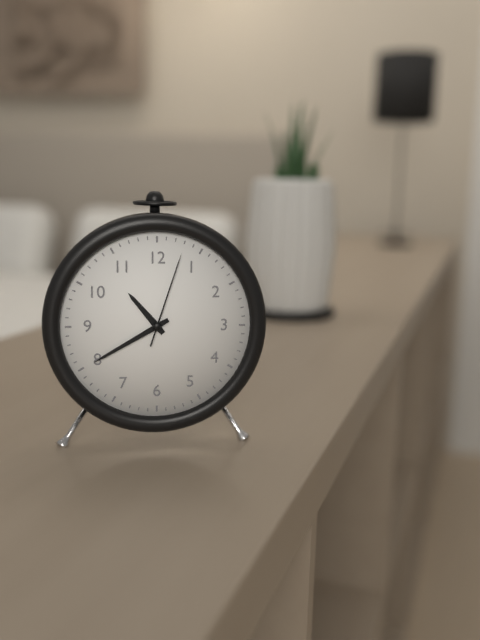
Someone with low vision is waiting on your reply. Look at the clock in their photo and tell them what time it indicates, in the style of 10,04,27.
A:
10,40,03
